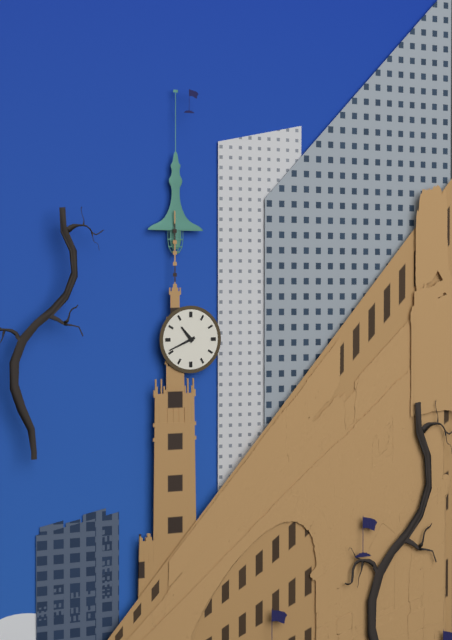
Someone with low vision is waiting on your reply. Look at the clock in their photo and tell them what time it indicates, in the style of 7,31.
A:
10,41
